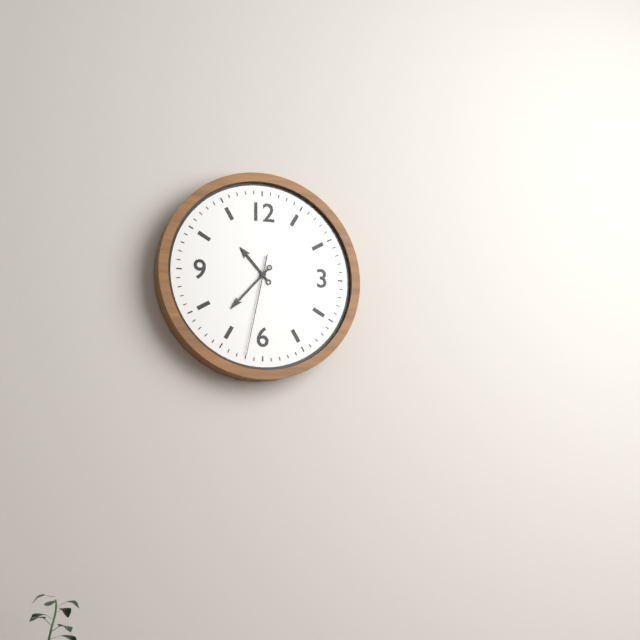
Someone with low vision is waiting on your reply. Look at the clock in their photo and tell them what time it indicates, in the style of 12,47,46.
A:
10,37,32
